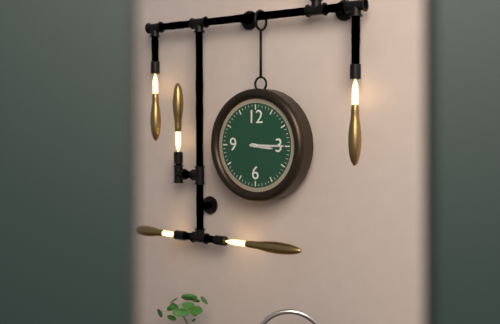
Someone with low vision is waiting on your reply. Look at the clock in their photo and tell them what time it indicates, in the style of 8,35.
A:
3,15
